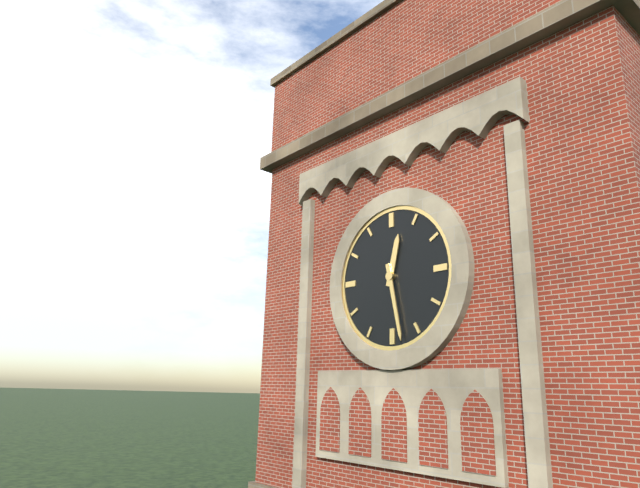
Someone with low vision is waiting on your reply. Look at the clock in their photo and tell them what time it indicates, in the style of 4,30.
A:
12,28
